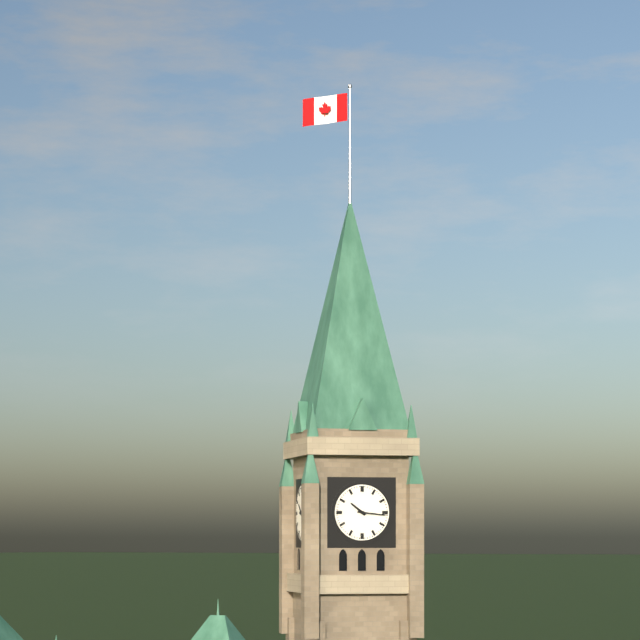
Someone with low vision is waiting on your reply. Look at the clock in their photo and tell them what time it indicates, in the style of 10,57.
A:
10,16
